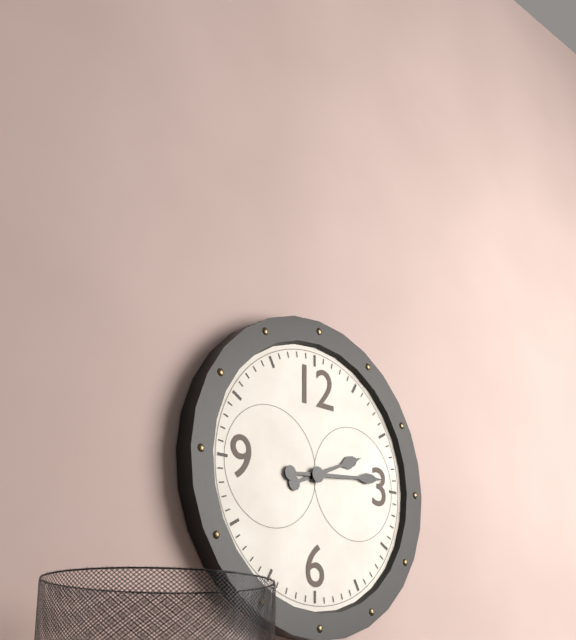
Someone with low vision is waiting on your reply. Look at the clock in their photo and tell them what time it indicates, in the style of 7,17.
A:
2,14
